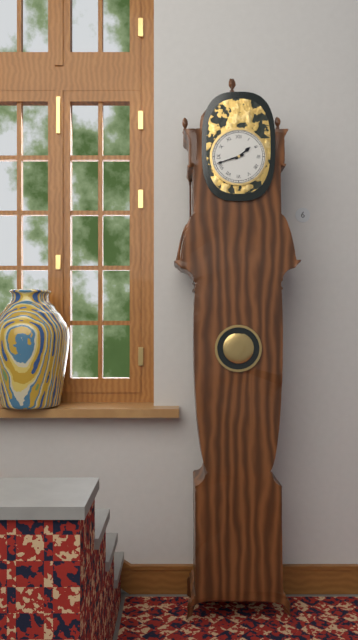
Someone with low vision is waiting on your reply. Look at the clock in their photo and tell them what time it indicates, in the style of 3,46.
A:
1,42
